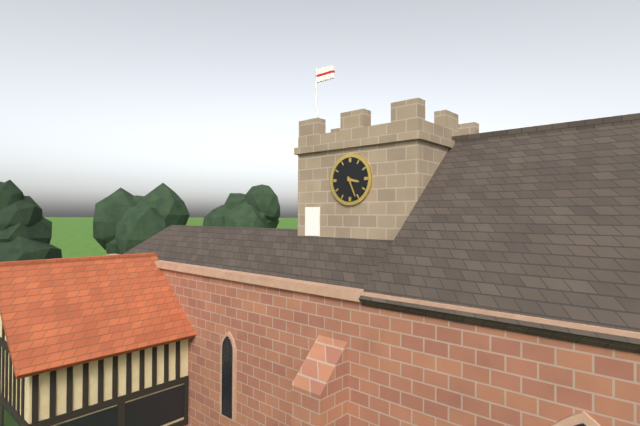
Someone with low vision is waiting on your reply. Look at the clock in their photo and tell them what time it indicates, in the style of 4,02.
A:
3,26
